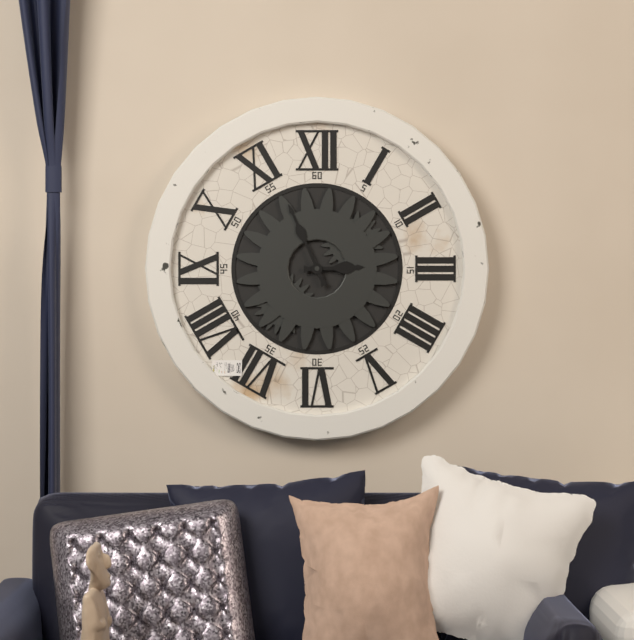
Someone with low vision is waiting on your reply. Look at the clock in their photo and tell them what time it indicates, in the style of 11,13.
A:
2,56
